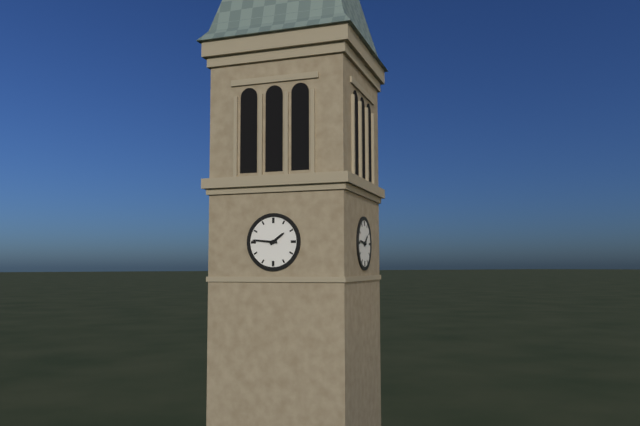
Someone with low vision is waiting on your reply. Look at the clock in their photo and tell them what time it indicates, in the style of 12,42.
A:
1,46
